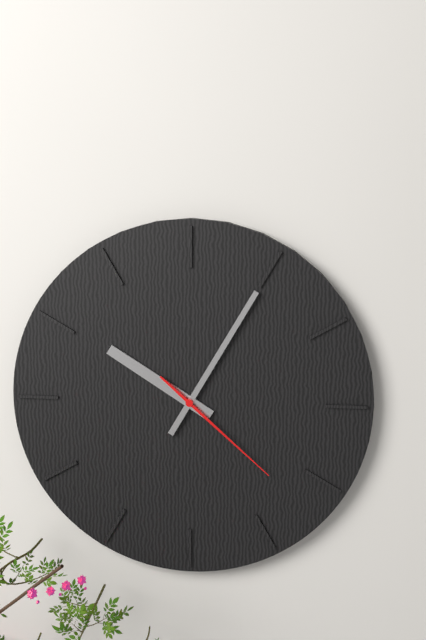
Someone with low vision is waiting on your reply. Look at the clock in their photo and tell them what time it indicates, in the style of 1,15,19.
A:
10,05,22
